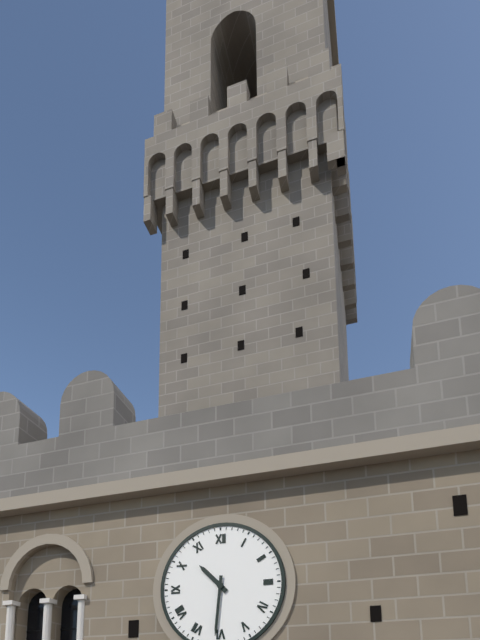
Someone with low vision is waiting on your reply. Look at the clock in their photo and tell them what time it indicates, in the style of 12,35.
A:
10,31
